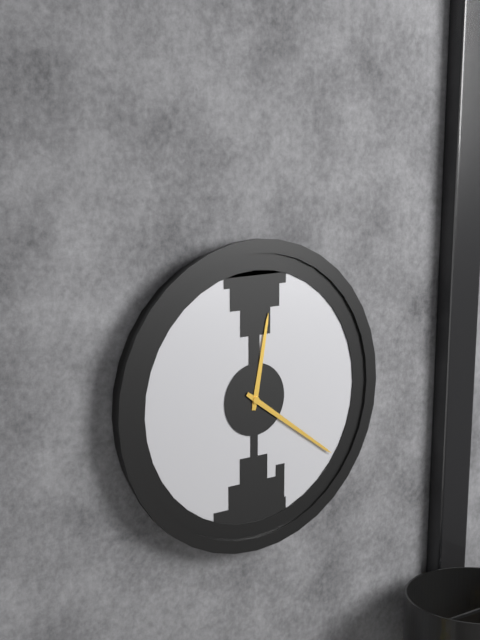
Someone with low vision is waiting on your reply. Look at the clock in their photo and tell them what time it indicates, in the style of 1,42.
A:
12,21
